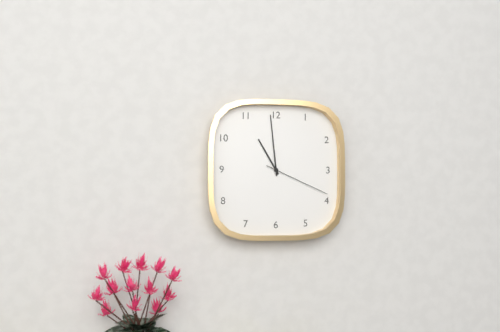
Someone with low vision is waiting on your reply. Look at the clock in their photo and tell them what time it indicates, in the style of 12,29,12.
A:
10,59,19
